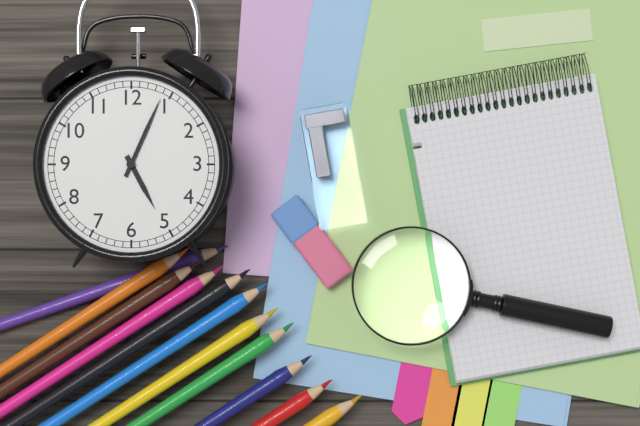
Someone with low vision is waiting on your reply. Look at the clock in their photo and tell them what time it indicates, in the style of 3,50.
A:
5,04
